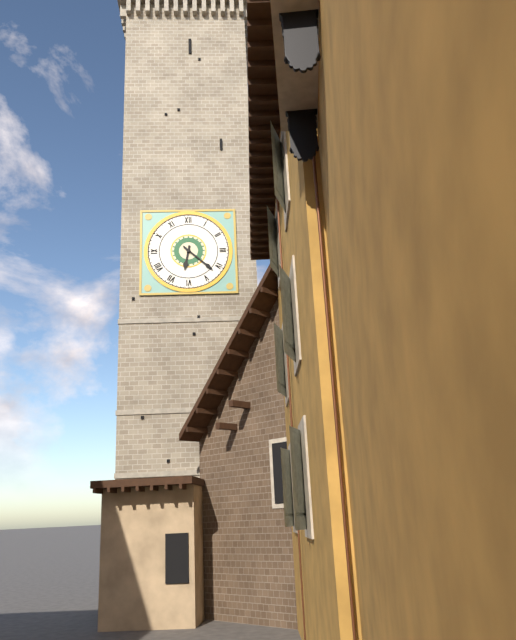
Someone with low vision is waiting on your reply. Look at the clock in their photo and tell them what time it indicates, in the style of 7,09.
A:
6,22
